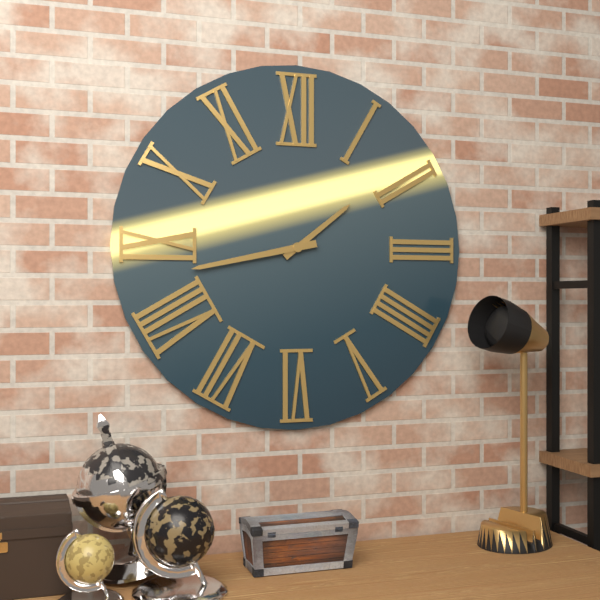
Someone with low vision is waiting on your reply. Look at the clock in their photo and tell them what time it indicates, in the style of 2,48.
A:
1,43
